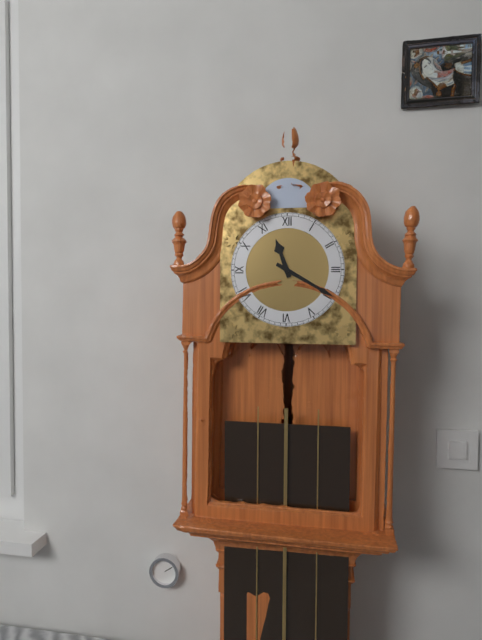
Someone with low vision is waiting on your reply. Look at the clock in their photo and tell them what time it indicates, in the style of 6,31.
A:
11,20
